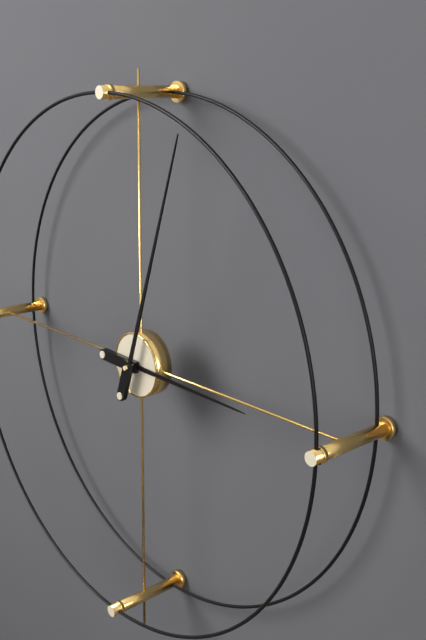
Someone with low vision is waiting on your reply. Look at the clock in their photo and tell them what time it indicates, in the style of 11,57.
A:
3,03
